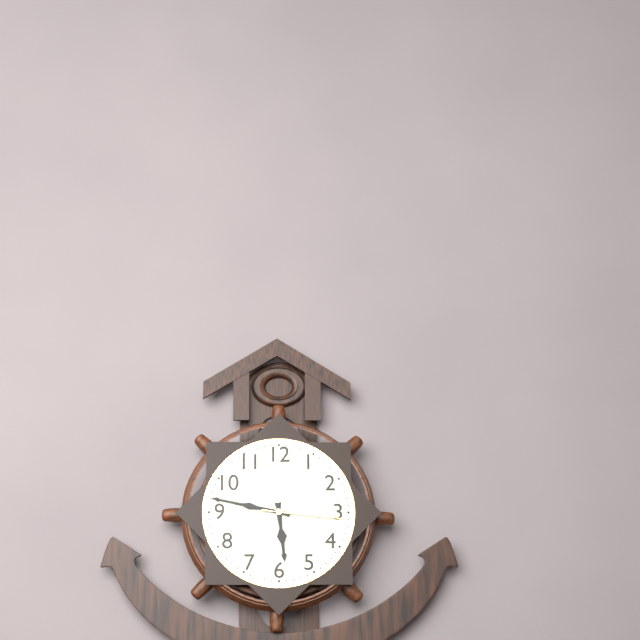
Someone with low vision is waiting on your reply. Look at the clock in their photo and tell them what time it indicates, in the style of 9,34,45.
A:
5,47,16
